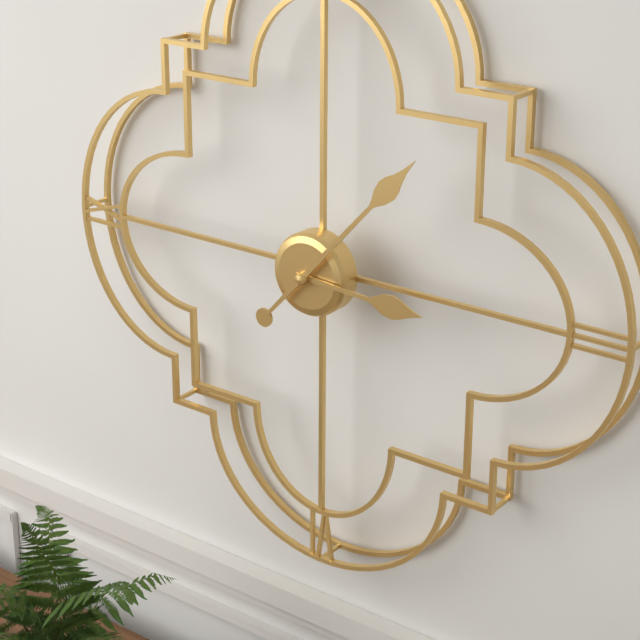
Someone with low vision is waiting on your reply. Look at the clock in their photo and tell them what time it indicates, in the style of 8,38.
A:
3,07
